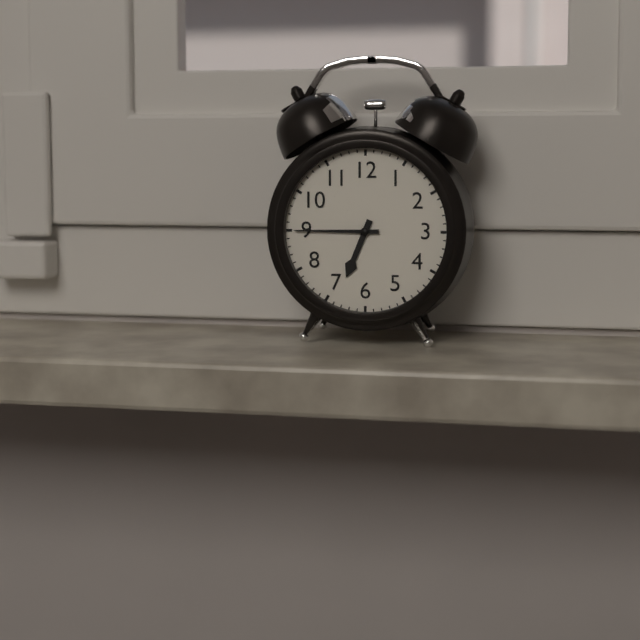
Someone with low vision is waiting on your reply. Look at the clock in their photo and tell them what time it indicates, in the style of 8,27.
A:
6,45
